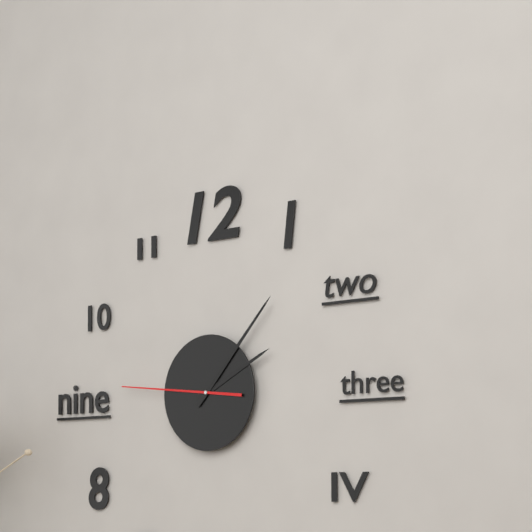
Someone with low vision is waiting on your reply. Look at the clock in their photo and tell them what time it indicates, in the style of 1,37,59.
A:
2,07,46
